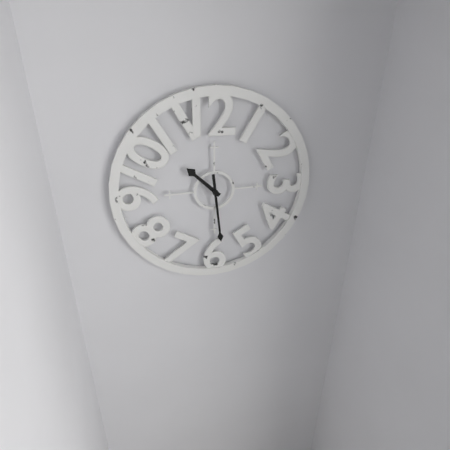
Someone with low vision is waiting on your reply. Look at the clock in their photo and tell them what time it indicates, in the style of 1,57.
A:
10,29
